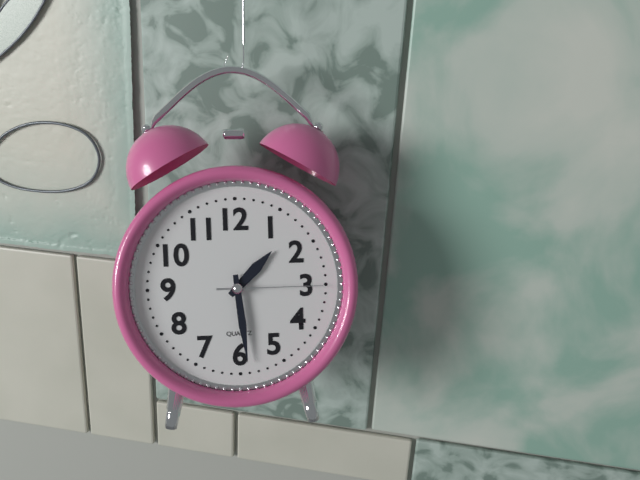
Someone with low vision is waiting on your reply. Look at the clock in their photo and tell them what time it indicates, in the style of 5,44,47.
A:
1,29,15
